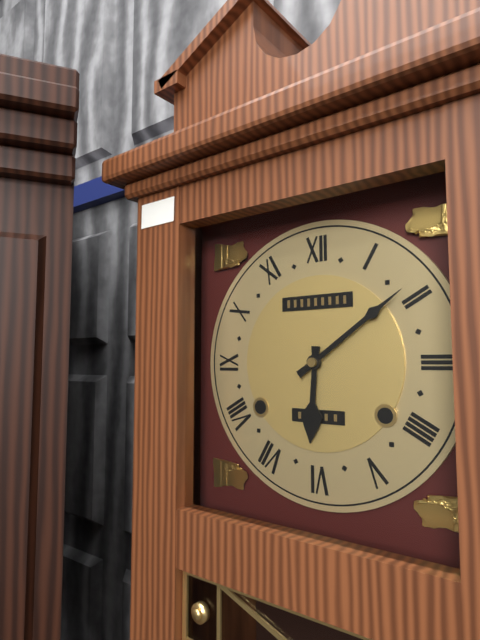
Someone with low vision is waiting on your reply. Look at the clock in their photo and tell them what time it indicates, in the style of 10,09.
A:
6,09
